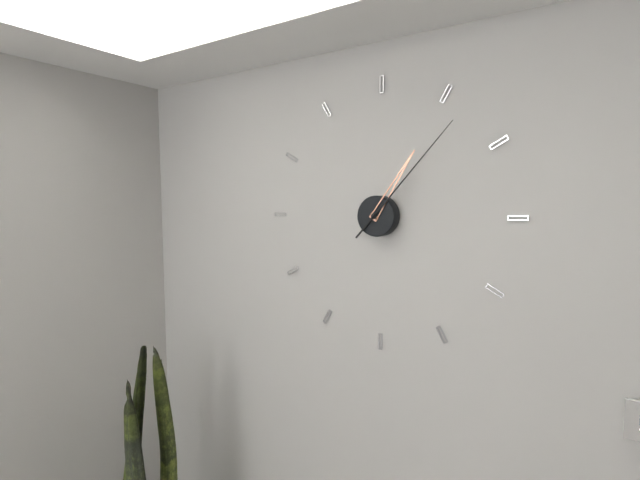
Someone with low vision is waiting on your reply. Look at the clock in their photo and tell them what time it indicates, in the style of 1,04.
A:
1,07
